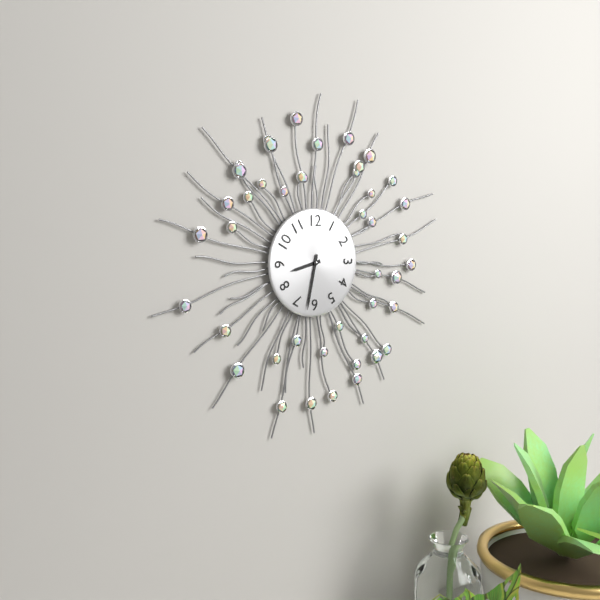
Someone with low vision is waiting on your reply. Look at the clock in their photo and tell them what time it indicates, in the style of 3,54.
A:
8,32
